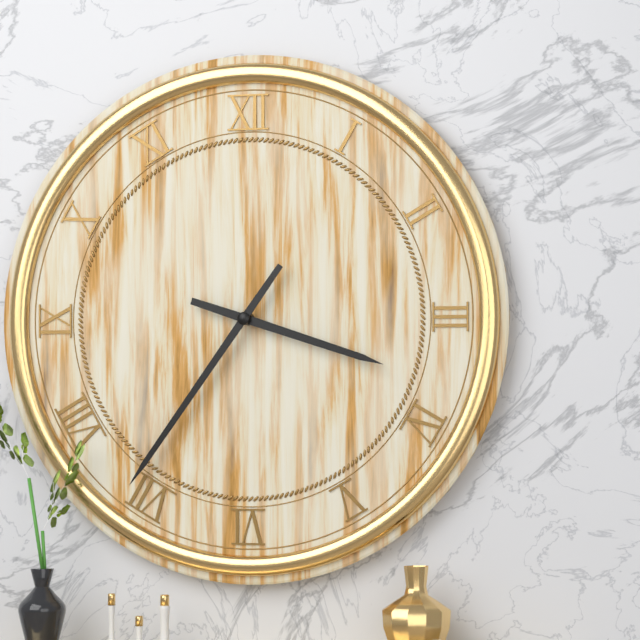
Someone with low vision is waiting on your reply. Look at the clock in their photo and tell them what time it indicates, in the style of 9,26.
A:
3,36
